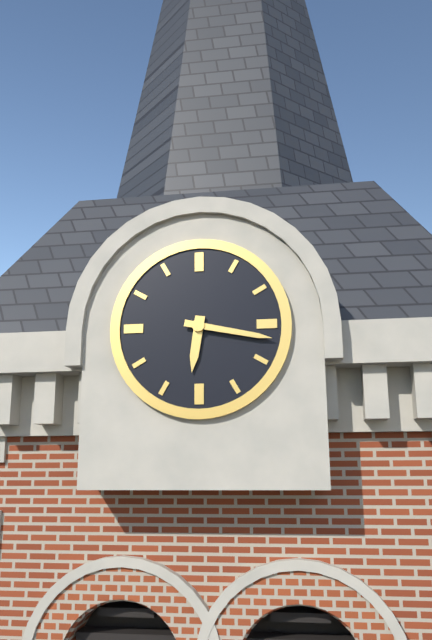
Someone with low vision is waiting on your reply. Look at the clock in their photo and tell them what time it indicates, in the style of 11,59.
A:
6,17
